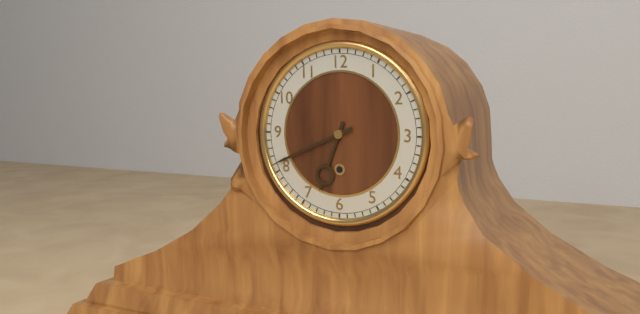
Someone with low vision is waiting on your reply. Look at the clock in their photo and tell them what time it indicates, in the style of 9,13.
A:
6,41
